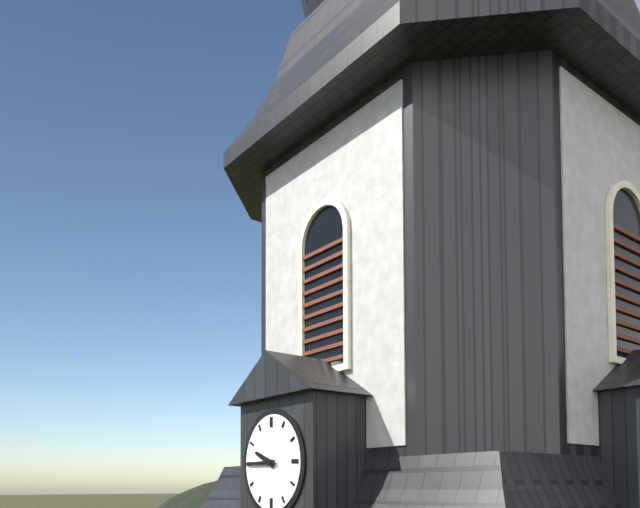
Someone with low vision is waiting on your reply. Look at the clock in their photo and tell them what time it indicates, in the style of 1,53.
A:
9,45
